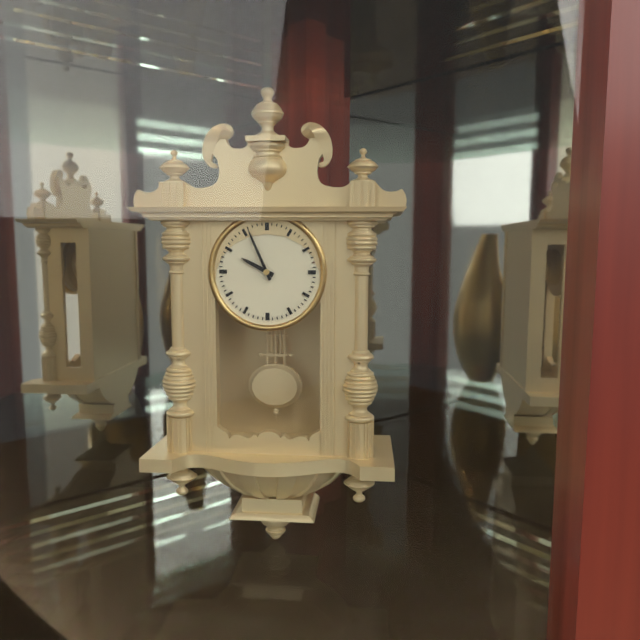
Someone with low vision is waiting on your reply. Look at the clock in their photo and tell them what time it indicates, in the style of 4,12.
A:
9,56
